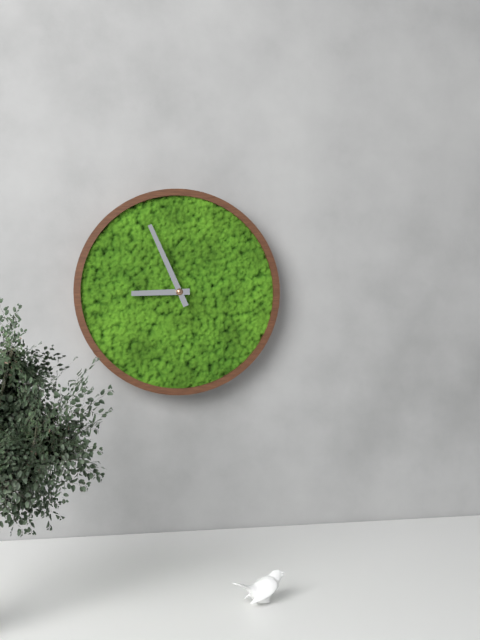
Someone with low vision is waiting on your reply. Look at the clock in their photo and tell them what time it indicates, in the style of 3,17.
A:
8,56
